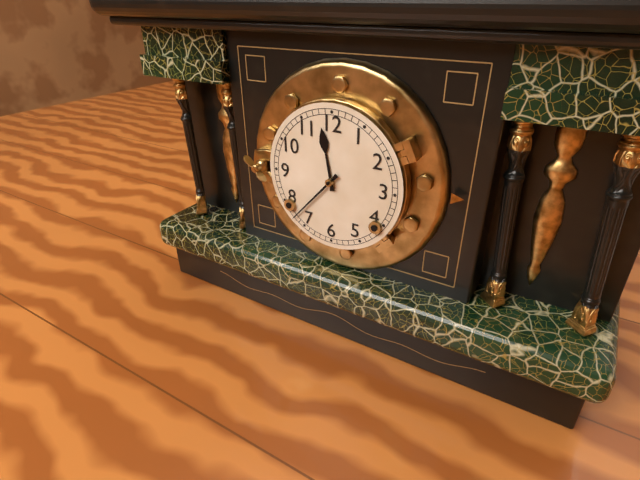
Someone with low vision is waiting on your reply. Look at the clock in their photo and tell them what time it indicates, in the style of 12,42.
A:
11,37
